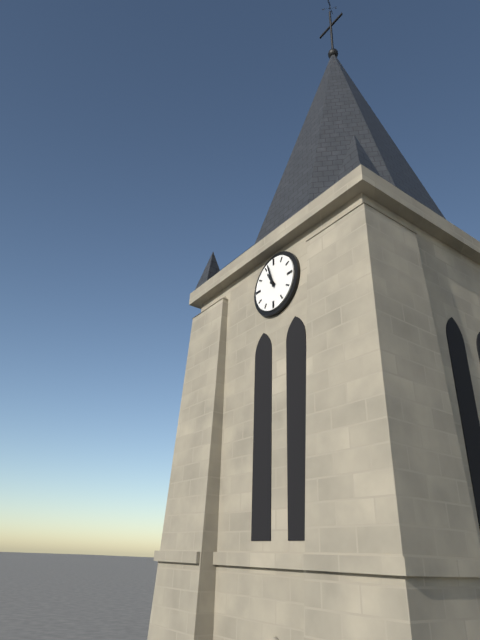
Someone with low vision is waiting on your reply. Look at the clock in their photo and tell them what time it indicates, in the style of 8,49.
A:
10,57
